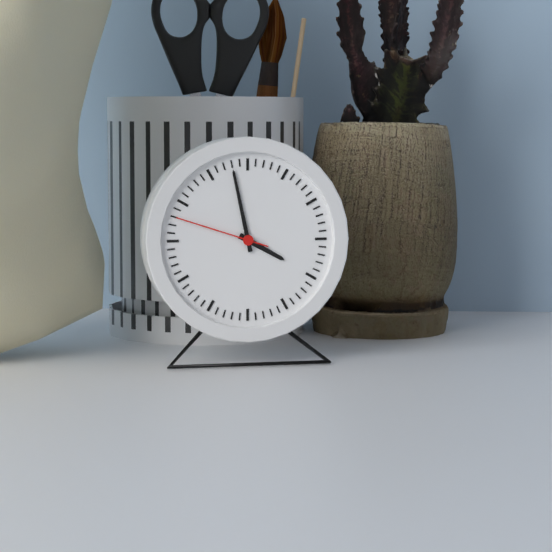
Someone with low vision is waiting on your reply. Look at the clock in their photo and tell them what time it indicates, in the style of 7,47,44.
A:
3,58,48
